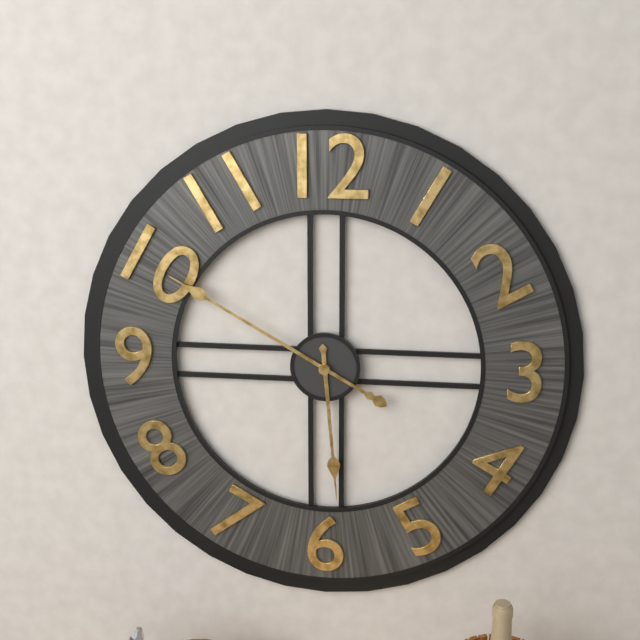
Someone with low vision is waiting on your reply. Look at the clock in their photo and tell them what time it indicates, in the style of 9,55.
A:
5,50
